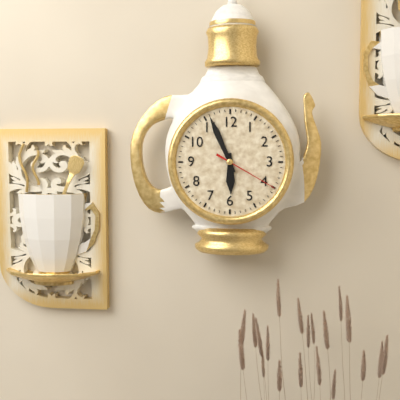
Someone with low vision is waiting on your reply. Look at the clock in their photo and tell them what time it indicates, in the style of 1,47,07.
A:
5,56,20
